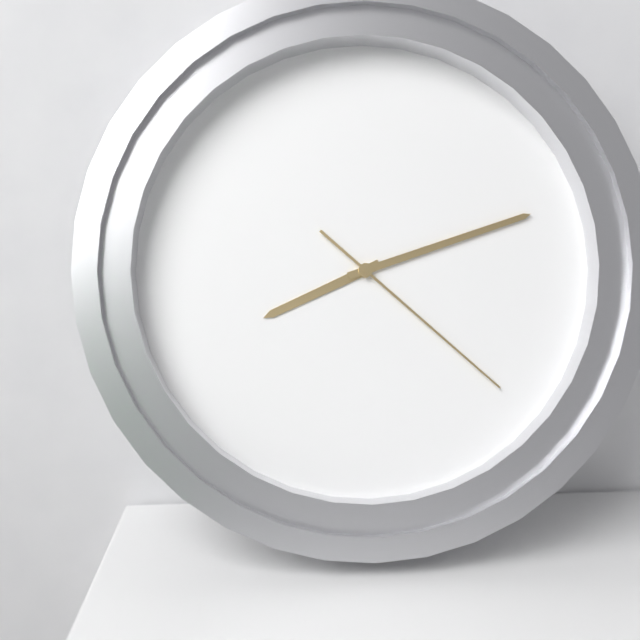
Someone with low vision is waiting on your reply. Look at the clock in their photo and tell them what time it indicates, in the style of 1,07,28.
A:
8,12,22
